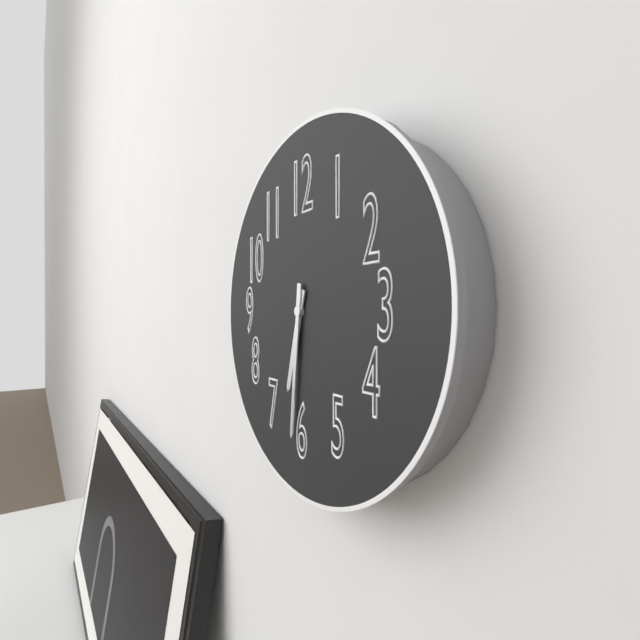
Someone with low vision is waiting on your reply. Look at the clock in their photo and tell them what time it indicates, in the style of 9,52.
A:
6,31
